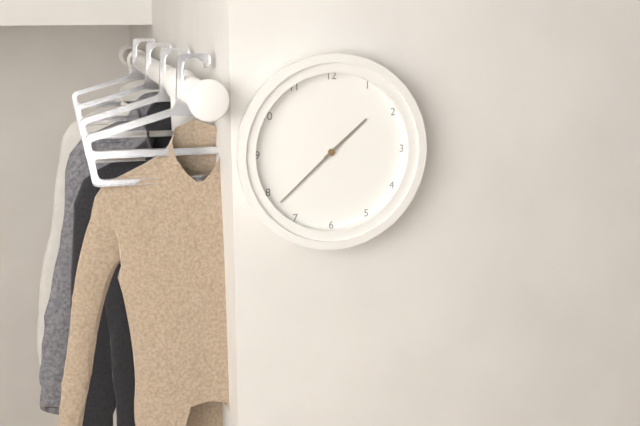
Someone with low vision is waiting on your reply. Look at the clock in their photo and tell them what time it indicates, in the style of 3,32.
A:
1,38
